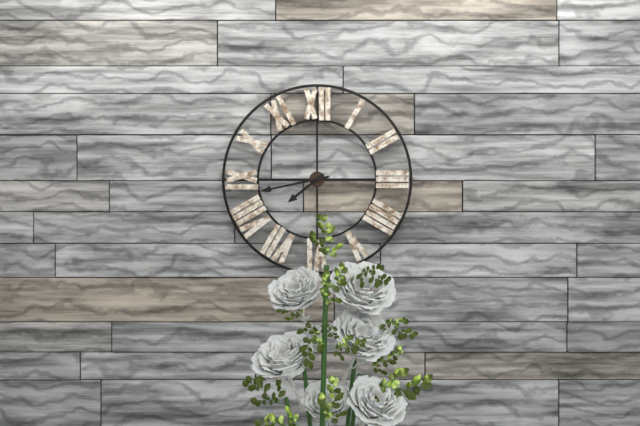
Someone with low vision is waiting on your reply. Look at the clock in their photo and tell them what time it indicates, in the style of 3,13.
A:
7,43
